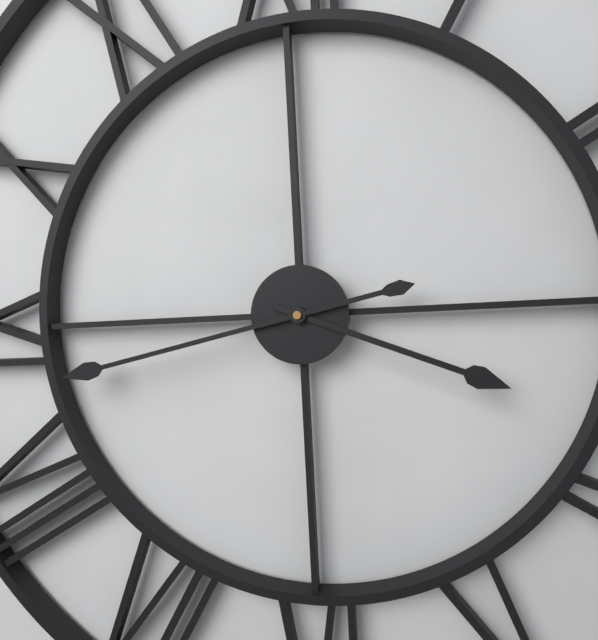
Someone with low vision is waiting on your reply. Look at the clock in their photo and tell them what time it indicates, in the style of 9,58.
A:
3,43
